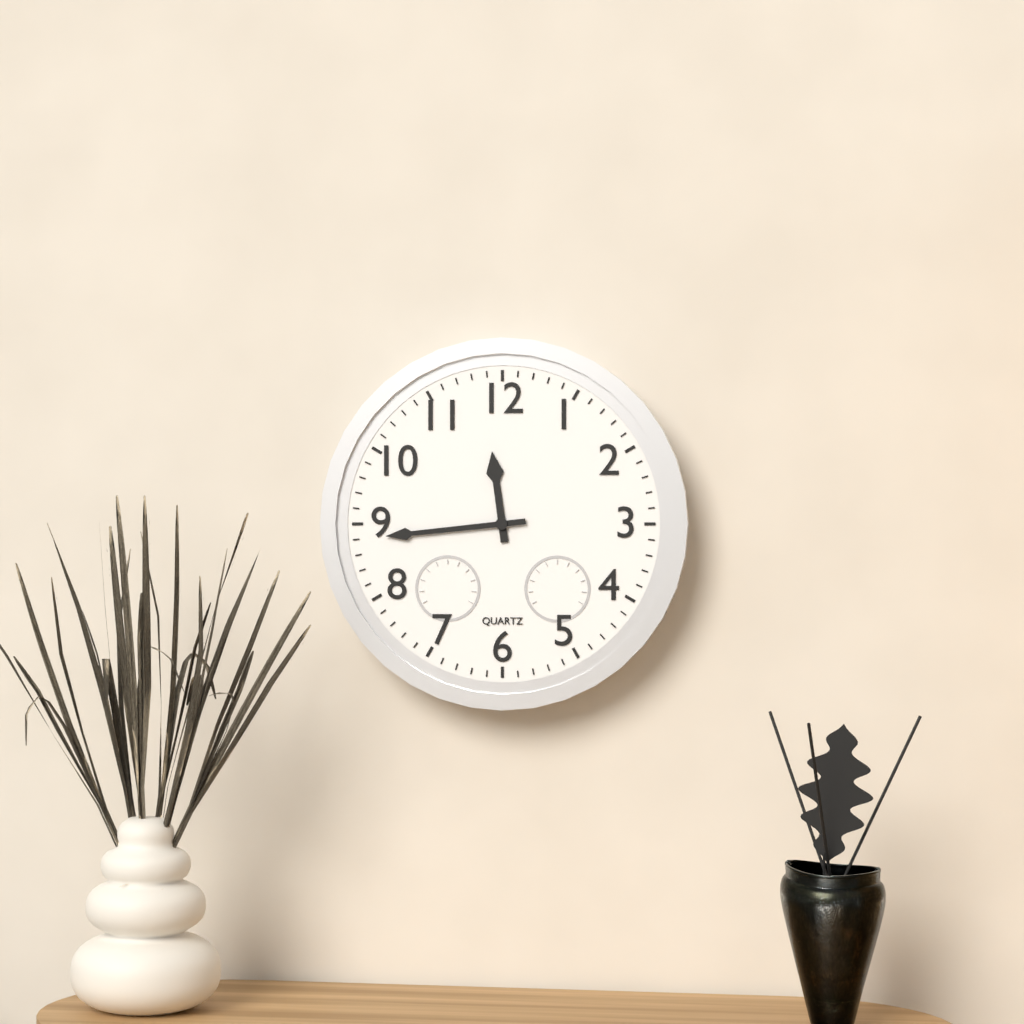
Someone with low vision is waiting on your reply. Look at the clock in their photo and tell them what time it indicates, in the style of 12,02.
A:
11,44
